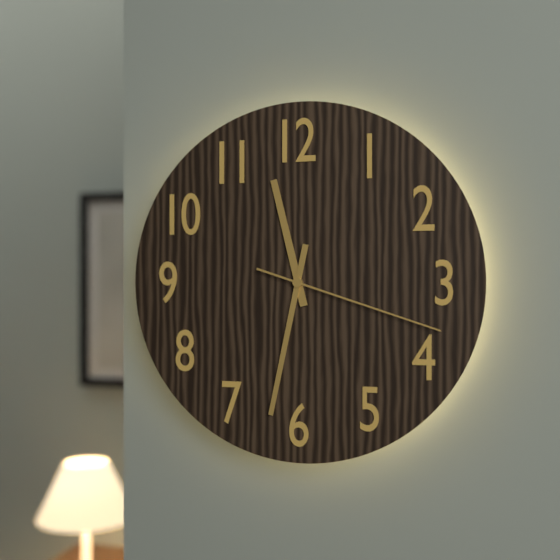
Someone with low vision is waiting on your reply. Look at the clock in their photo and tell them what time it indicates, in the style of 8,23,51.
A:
11,32,18
